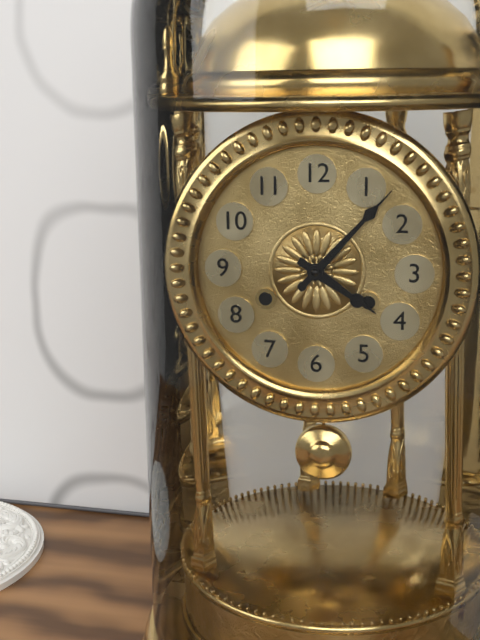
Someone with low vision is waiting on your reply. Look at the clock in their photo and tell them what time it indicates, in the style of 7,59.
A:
4,07
